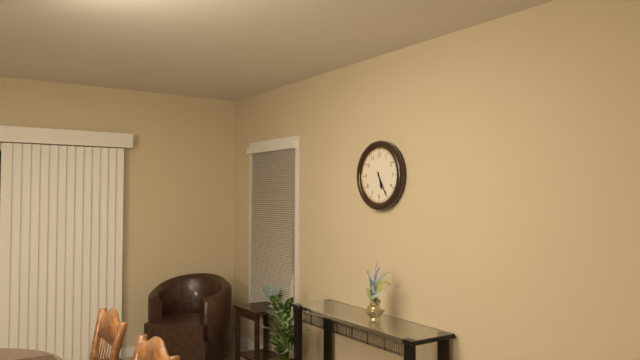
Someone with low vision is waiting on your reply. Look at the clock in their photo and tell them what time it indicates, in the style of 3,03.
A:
5,25
